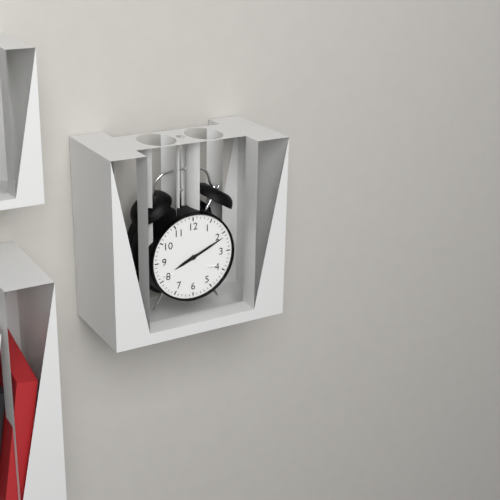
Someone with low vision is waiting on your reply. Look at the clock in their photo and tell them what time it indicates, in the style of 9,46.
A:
8,11
